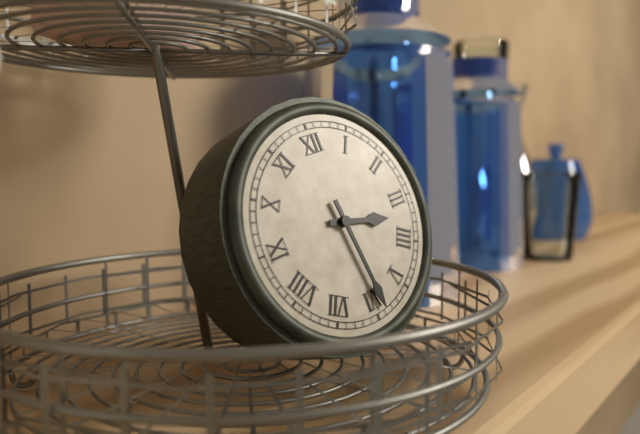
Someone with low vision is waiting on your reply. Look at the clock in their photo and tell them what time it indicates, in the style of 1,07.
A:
3,29
